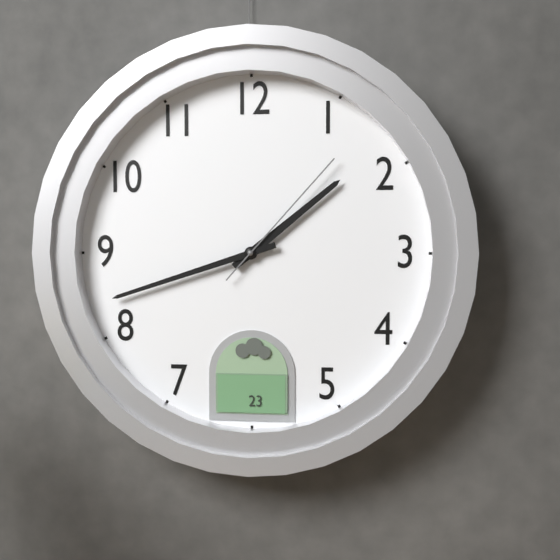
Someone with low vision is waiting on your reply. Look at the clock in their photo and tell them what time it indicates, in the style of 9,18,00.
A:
1,42,07
